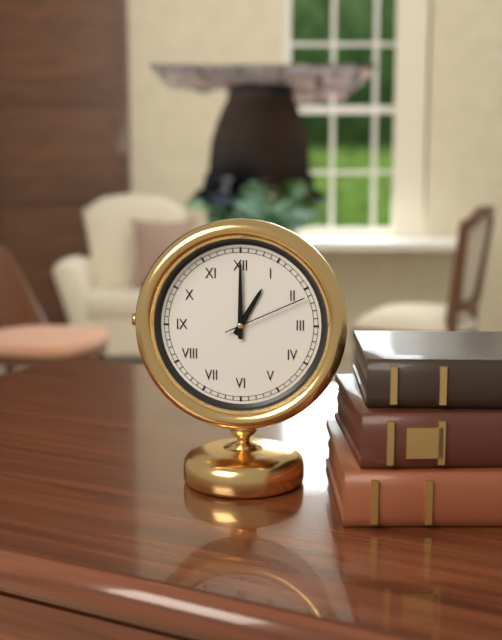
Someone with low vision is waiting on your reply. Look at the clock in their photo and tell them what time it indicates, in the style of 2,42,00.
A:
1,00,11
